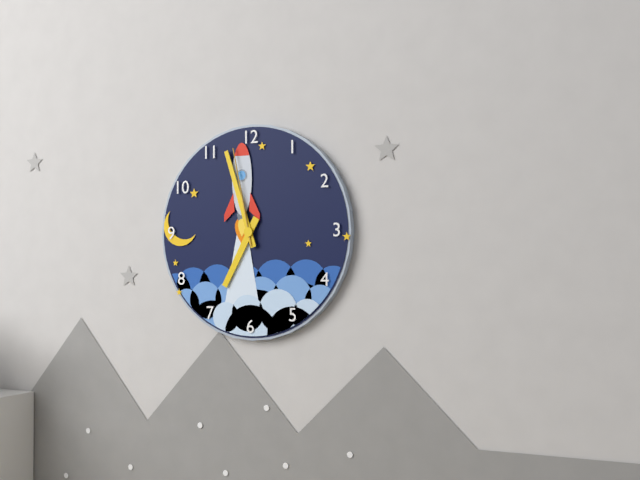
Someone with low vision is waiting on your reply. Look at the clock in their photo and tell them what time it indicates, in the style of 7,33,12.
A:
6,57,58
